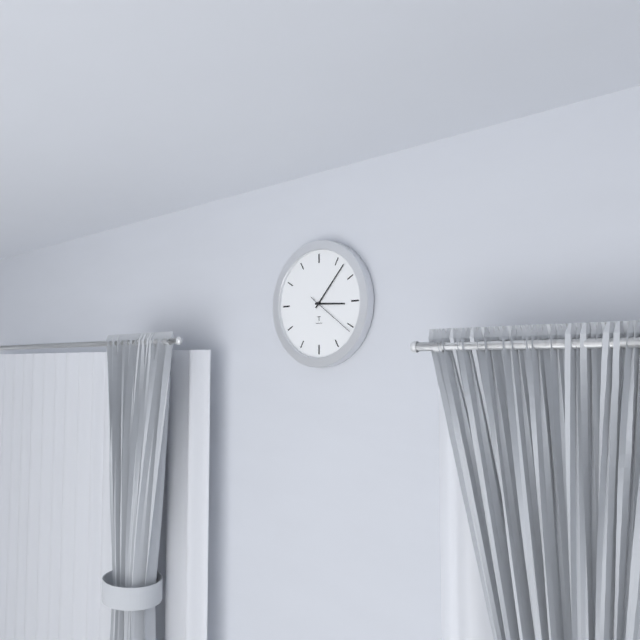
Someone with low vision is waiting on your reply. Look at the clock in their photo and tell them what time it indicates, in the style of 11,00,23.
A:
3,07,21
